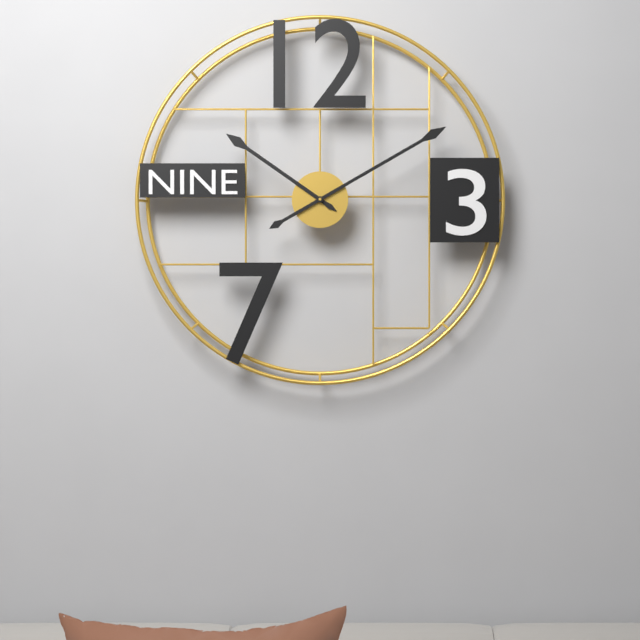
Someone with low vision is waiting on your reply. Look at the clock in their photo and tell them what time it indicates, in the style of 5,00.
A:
10,10
